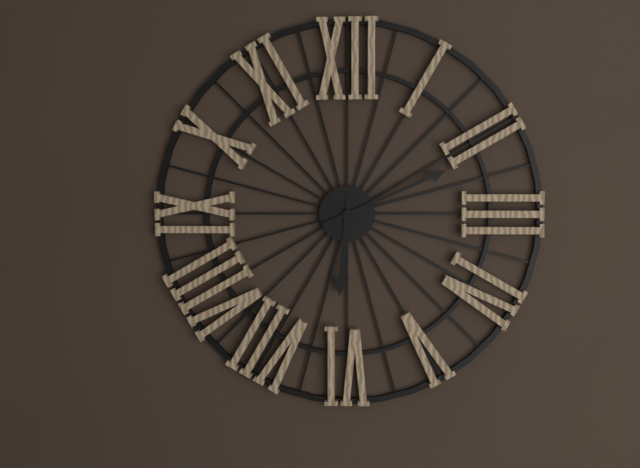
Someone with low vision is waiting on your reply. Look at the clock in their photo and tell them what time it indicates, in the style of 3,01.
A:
6,11
